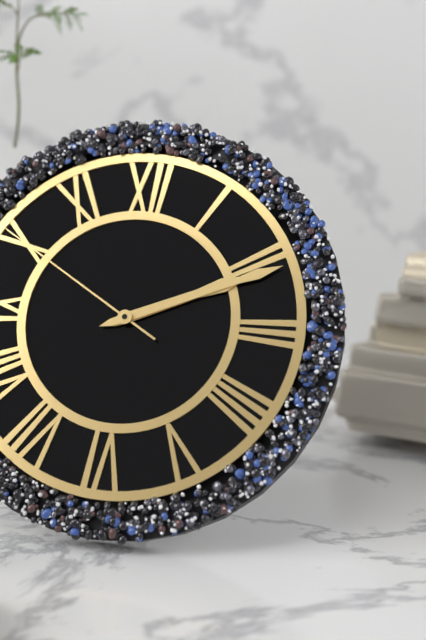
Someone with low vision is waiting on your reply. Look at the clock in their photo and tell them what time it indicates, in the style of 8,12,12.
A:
2,11,50
